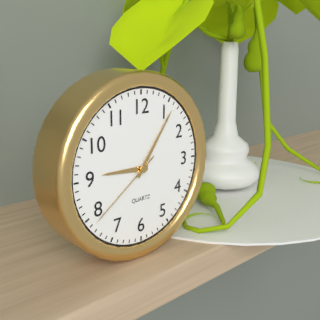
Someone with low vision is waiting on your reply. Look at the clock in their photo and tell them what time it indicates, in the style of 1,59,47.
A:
9,06,39
